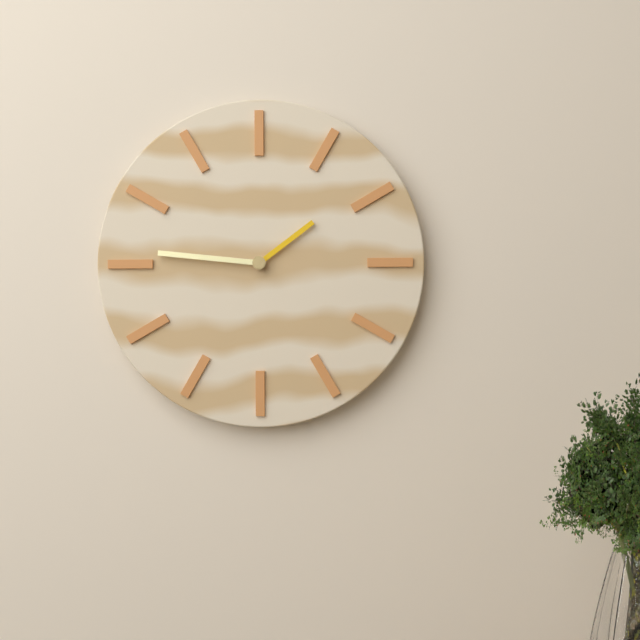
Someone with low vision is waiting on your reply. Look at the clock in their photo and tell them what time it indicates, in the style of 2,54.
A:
1,46
